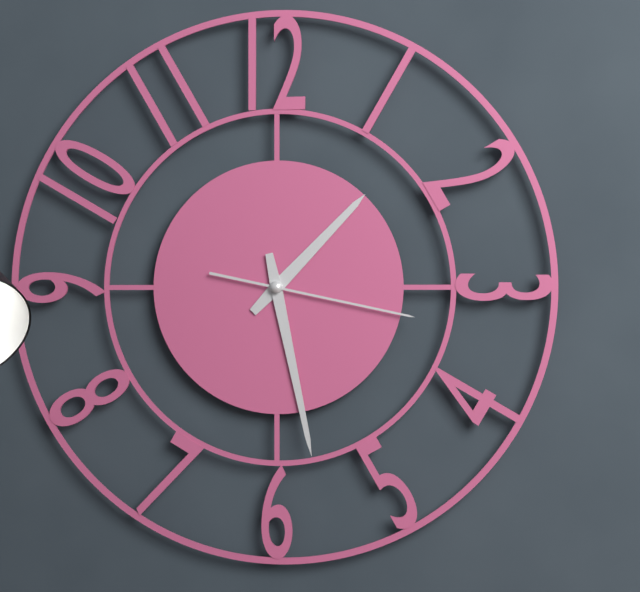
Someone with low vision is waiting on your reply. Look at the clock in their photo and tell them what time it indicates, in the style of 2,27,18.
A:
1,28,17
